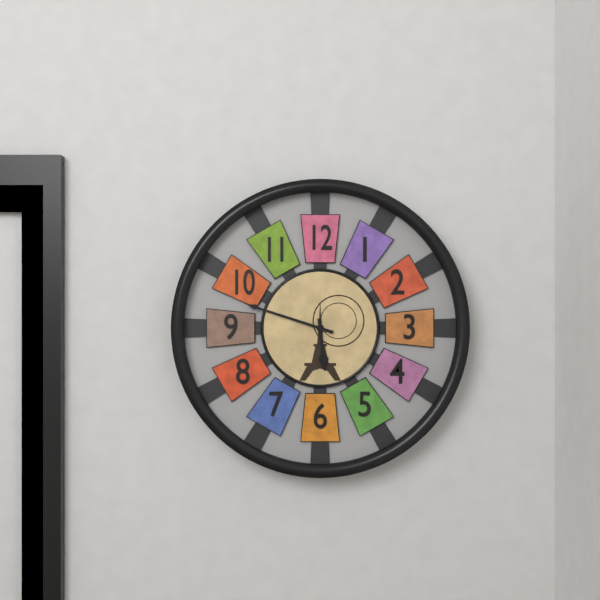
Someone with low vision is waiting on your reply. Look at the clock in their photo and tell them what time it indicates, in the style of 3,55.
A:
5,48
